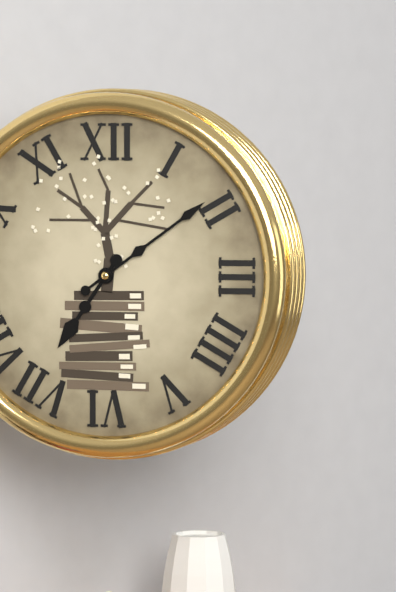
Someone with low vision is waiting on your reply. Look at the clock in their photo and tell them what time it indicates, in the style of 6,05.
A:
7,09
